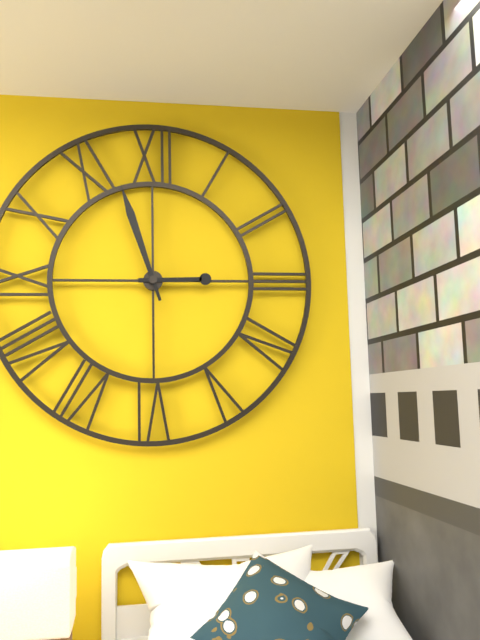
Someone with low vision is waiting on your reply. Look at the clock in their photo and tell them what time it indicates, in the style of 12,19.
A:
2,57
